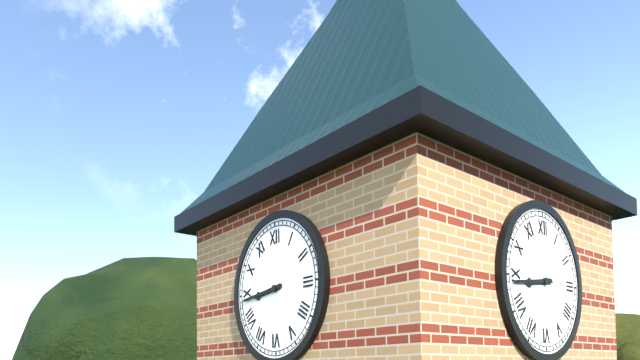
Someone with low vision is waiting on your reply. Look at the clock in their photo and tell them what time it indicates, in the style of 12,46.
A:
8,44
